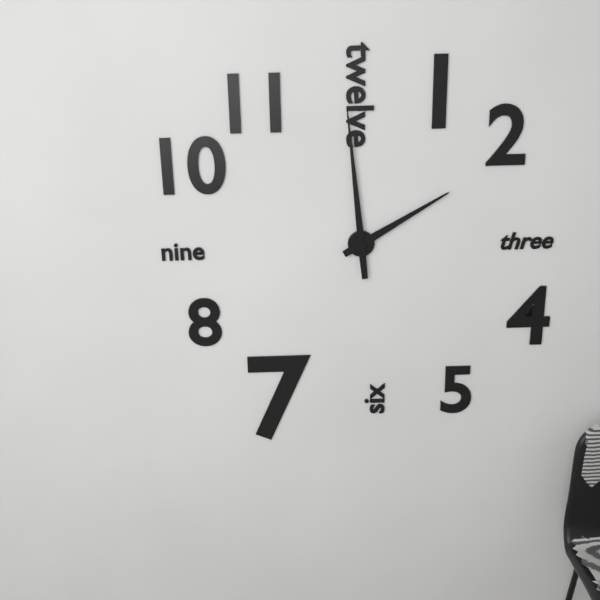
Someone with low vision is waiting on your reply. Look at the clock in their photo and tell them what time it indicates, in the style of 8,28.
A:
1,59
